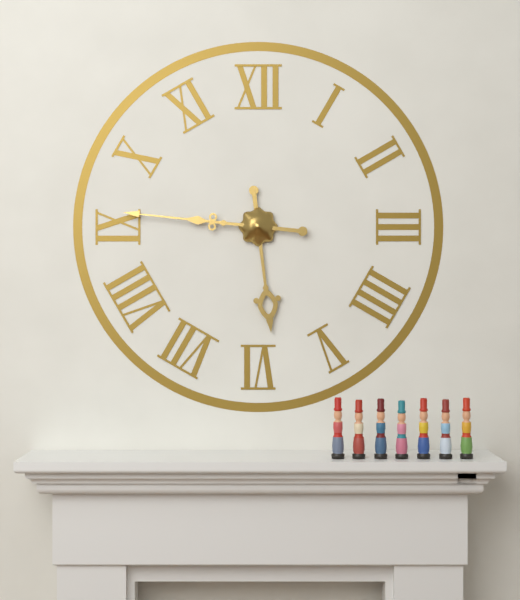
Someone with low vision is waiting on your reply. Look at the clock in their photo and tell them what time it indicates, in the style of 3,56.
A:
5,46
